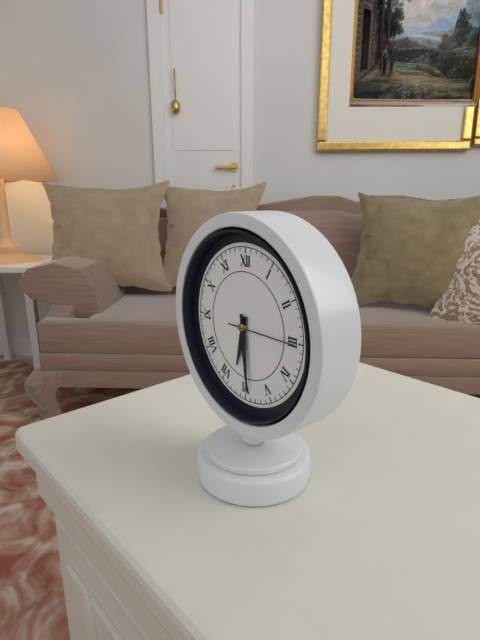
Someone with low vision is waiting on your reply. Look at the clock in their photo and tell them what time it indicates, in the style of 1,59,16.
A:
6,29,15
